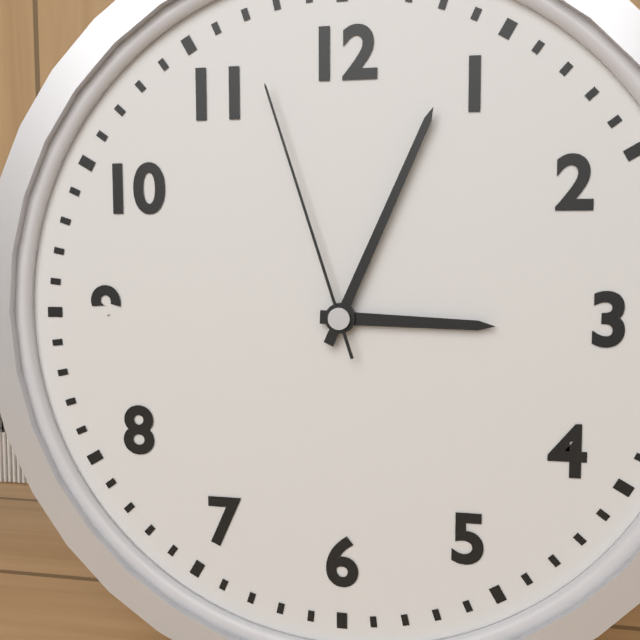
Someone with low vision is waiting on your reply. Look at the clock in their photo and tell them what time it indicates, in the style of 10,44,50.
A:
3,04,57
